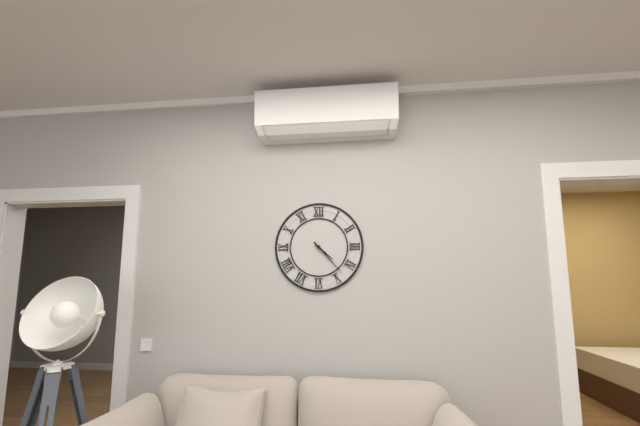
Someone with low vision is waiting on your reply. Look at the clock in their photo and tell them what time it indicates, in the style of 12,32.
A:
4,23
